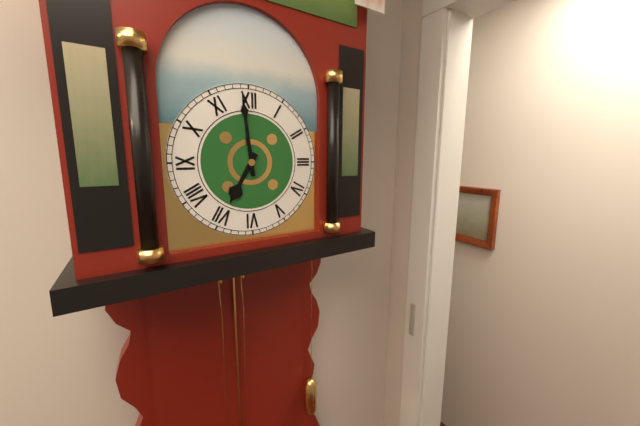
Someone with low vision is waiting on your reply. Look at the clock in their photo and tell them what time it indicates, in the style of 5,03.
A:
6,59
